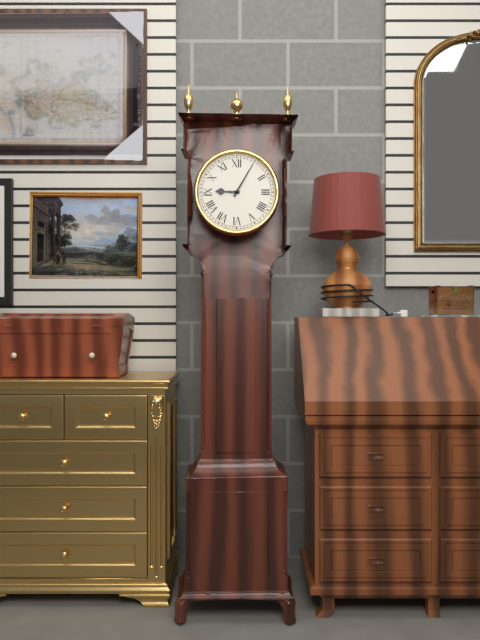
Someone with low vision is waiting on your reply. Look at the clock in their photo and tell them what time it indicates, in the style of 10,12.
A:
9,05
